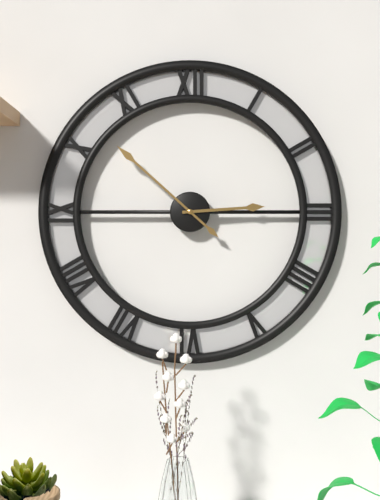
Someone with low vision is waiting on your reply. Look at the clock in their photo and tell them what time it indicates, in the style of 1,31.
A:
2,52
